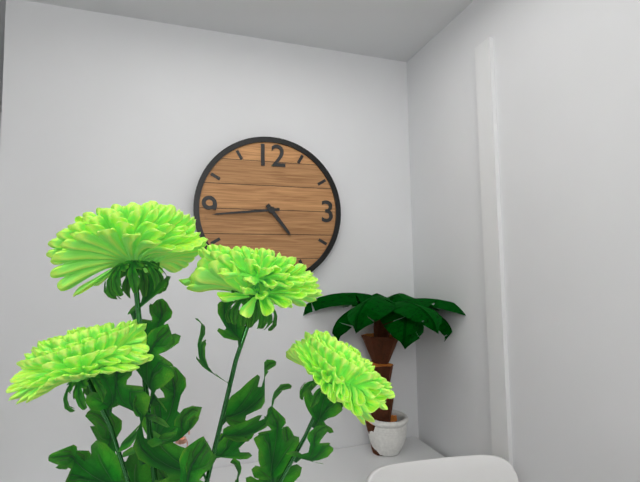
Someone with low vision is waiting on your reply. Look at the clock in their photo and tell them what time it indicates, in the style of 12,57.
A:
4,44
